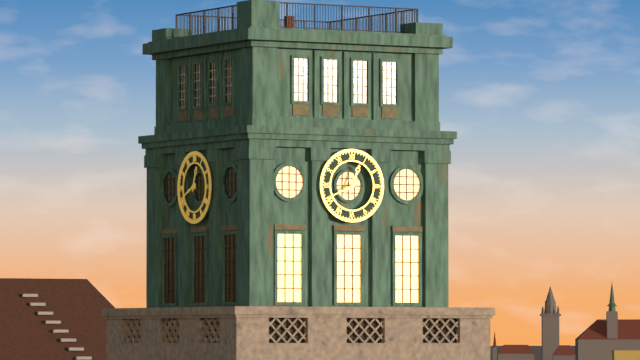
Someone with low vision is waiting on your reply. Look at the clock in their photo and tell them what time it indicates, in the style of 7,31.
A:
12,41
